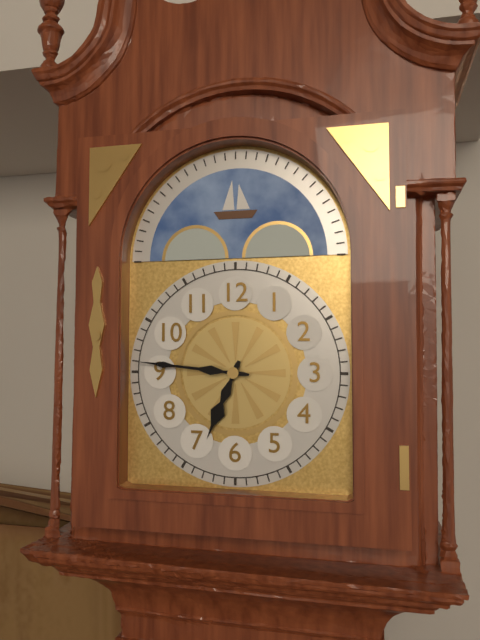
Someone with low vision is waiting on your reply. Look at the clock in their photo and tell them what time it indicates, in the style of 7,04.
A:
6,46
